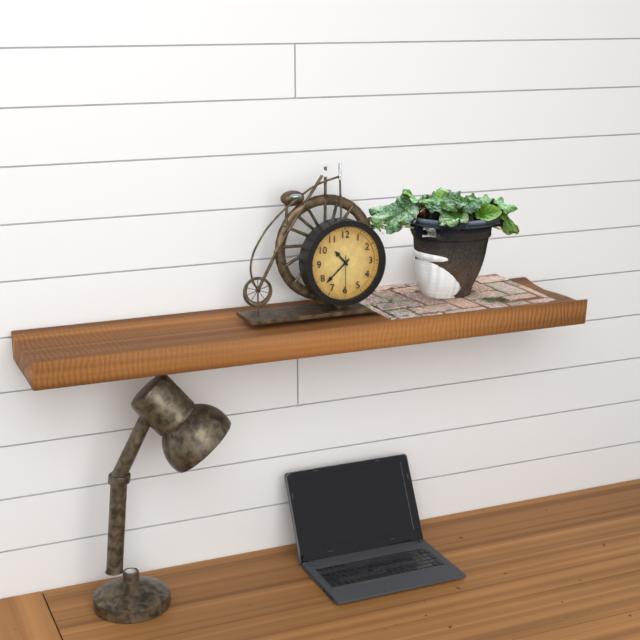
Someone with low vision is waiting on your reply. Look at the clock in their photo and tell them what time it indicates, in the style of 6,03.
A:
10,38
